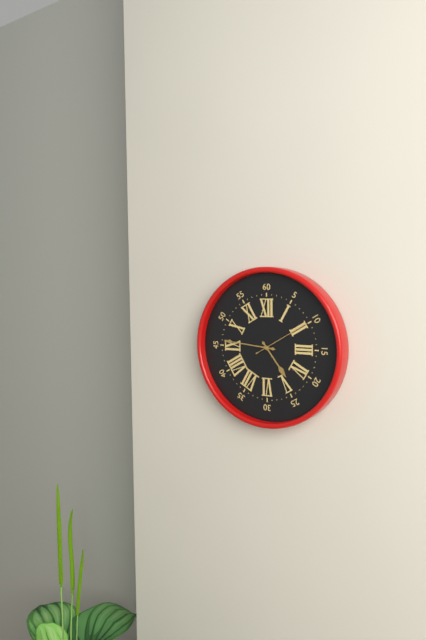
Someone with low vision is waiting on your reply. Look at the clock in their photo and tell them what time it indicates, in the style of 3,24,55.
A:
4,46,10
